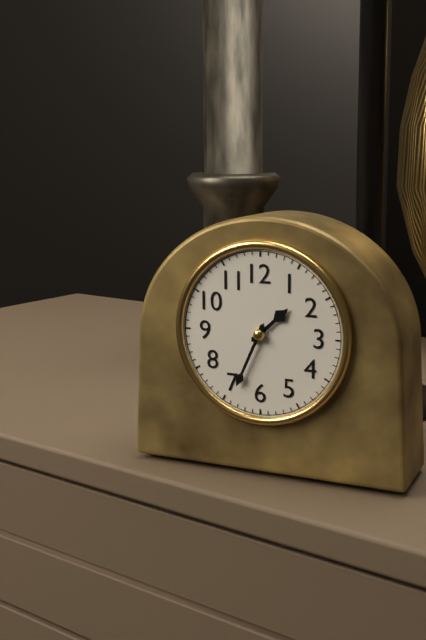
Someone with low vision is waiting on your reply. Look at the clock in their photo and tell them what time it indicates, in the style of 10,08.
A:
1,34
